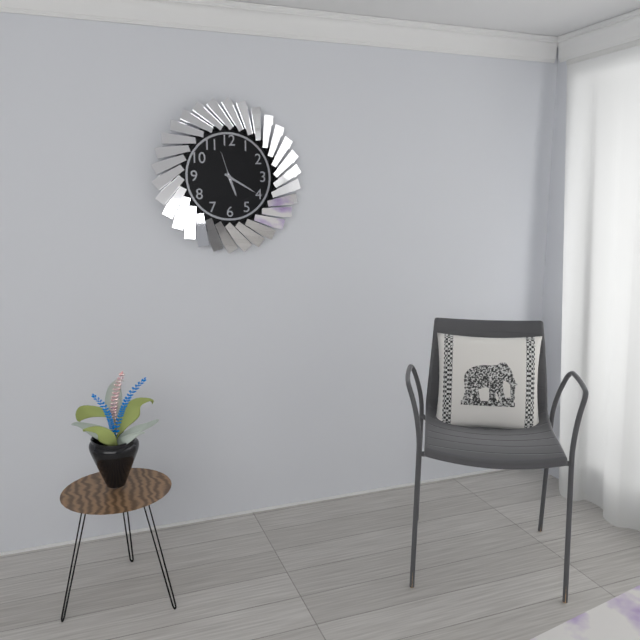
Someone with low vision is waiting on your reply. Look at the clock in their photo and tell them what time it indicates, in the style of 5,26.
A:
5,20
